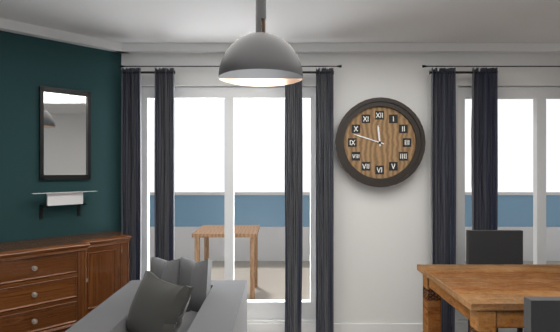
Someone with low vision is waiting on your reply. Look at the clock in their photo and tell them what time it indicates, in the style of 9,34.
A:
11,48
